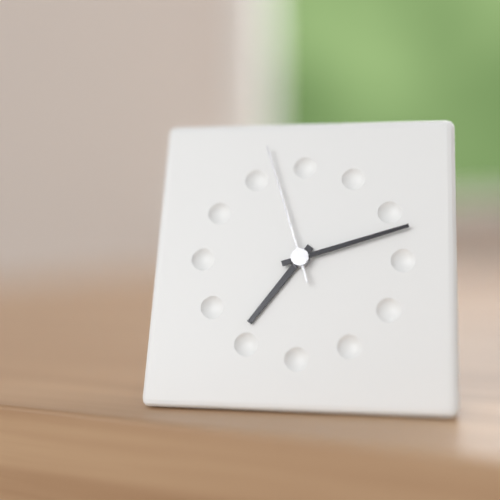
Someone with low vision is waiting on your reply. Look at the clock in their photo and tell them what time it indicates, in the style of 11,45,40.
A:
7,12,57
